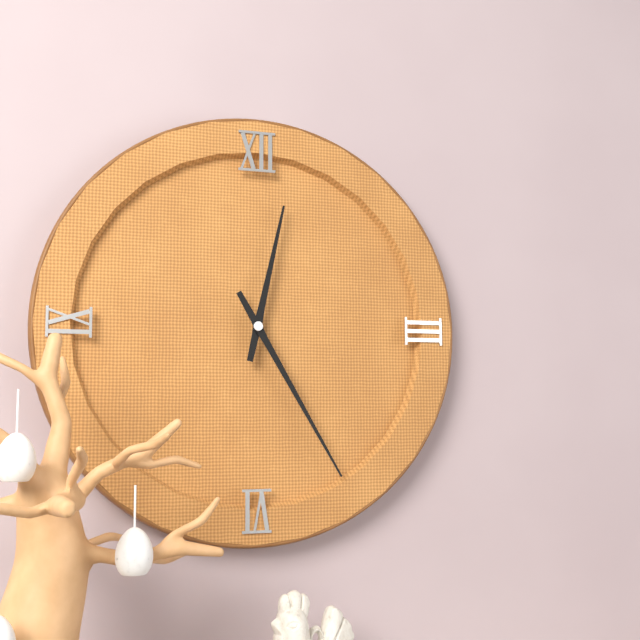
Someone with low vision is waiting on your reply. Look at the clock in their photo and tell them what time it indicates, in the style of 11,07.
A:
12,25
